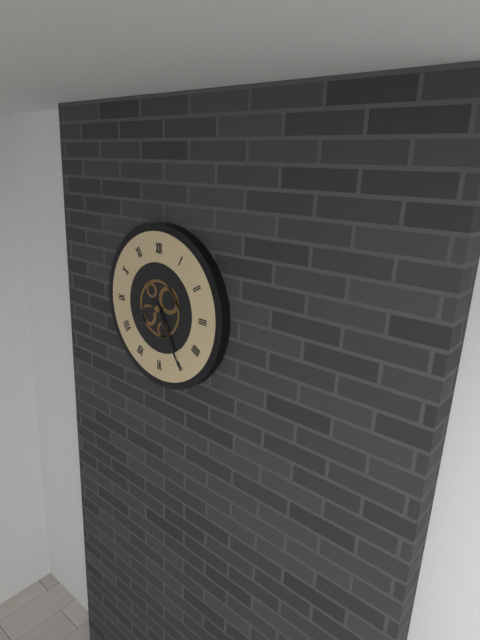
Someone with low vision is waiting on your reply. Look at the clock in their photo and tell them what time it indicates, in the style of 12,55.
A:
8,25
